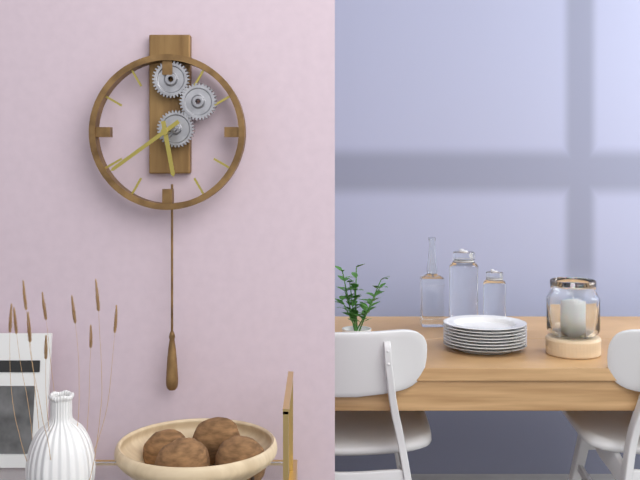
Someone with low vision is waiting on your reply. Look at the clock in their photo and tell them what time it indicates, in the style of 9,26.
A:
5,39
